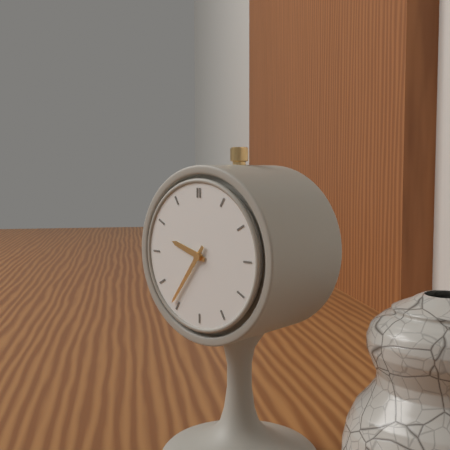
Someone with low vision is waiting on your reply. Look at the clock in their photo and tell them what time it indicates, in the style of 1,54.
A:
9,36
